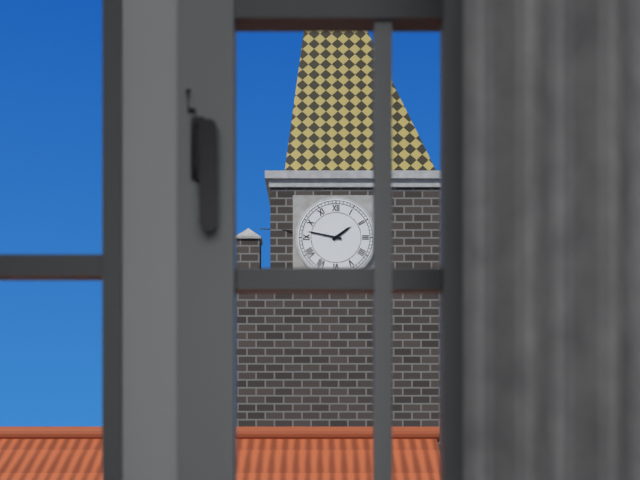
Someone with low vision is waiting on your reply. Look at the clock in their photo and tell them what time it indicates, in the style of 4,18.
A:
1,47
